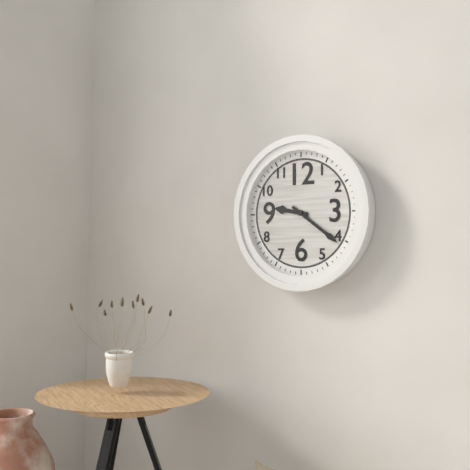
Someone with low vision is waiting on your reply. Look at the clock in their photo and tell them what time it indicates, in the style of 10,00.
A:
9,21
